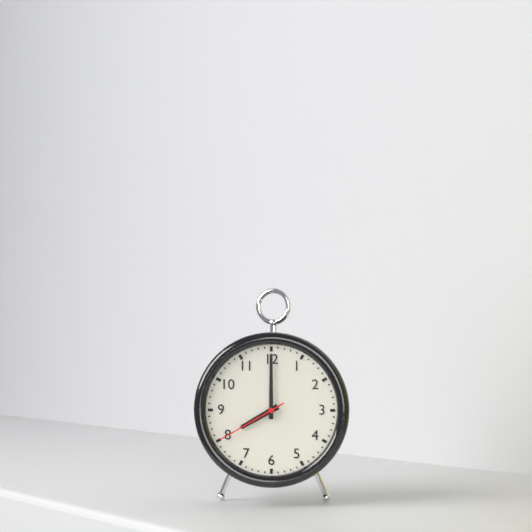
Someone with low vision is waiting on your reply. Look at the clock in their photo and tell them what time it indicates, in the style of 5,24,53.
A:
8,00,40
